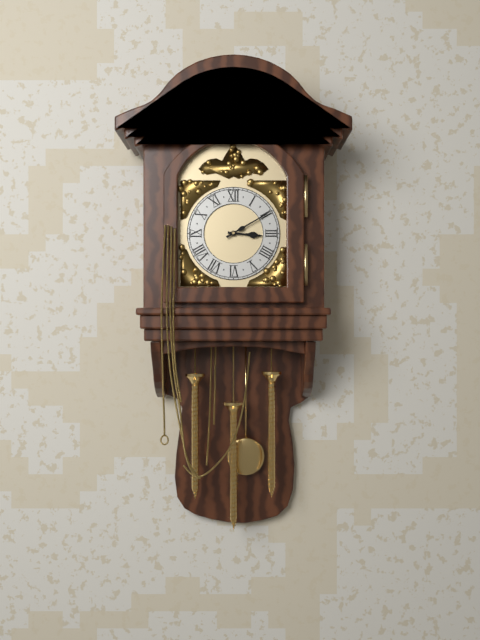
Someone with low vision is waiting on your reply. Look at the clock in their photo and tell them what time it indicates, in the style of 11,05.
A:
3,10
